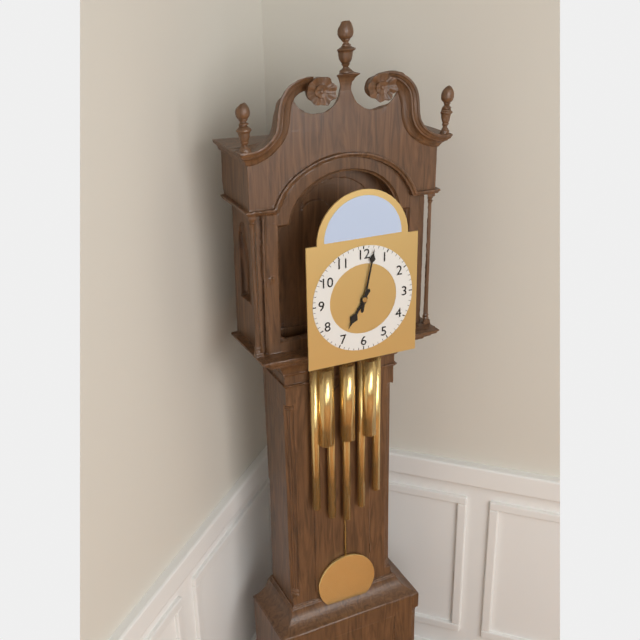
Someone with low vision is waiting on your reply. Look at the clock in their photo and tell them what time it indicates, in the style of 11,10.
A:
7,02
